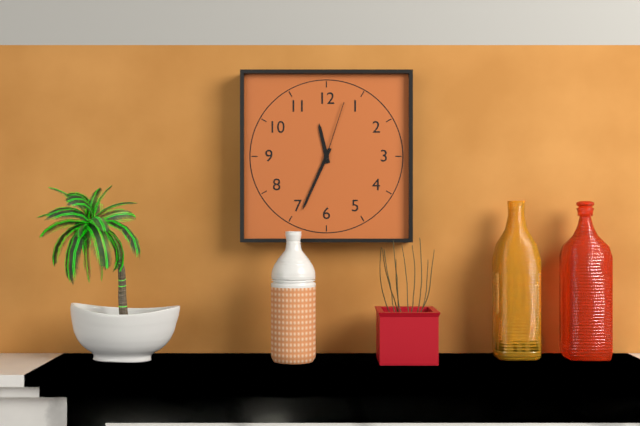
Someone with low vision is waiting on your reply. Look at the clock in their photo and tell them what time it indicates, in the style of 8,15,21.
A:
11,34,03
